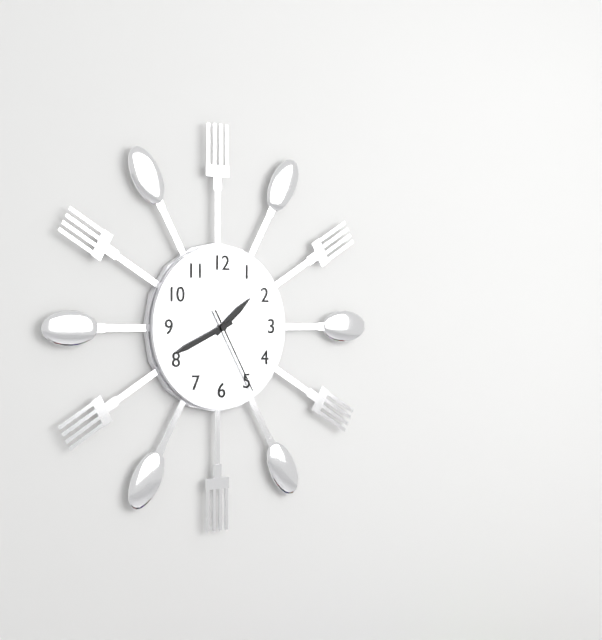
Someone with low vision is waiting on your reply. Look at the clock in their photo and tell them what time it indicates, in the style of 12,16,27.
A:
1,41,25
